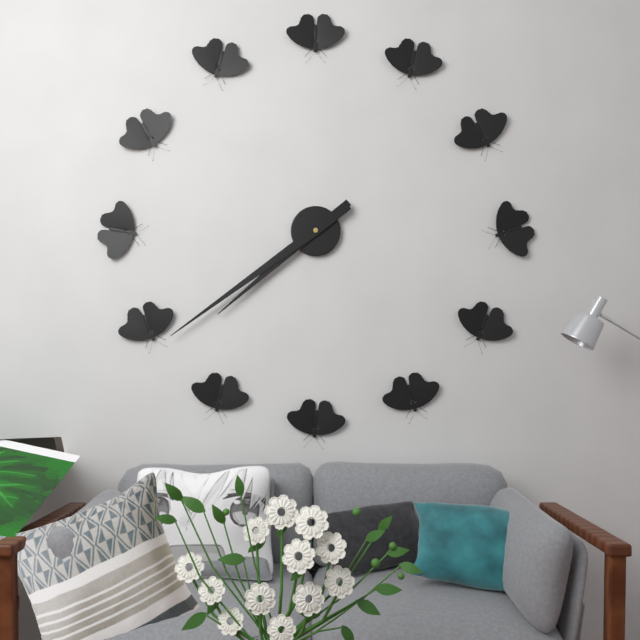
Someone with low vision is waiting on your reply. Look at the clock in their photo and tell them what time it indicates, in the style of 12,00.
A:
7,39
